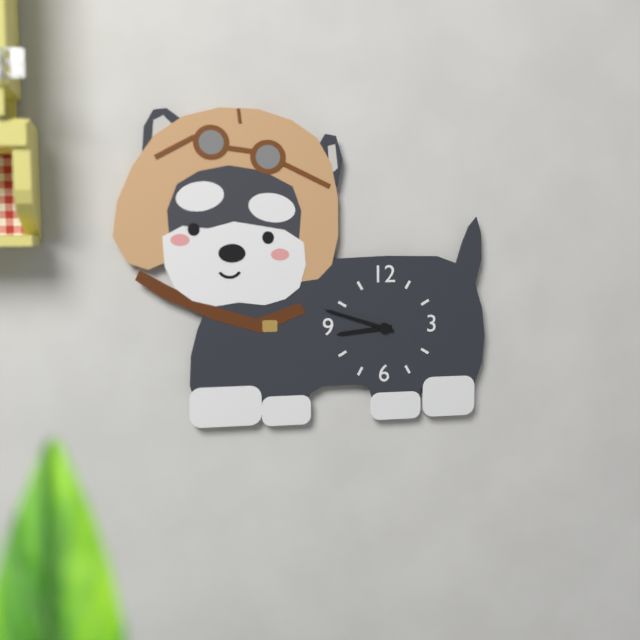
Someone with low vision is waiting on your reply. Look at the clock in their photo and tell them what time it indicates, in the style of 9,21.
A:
8,48
